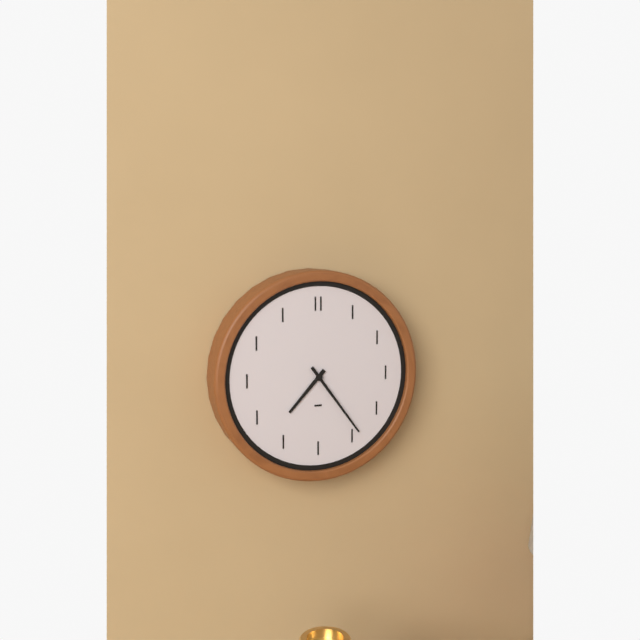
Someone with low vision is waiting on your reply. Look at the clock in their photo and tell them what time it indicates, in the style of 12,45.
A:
7,24
